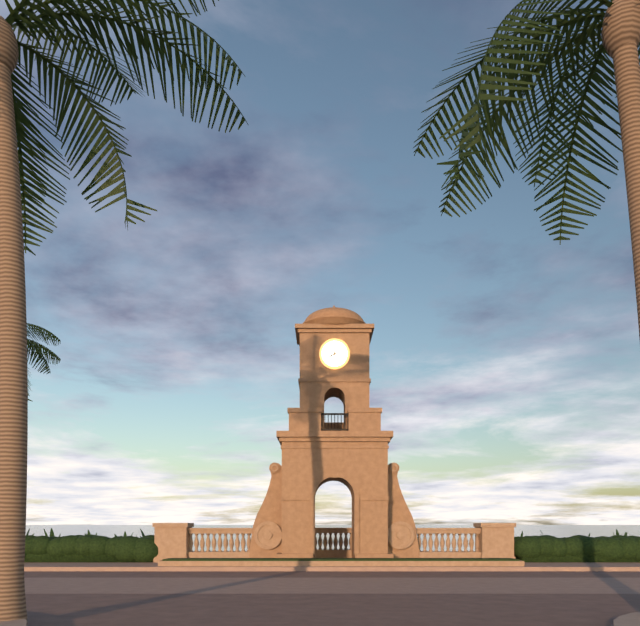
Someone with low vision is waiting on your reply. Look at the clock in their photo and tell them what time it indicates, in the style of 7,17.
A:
8,00
